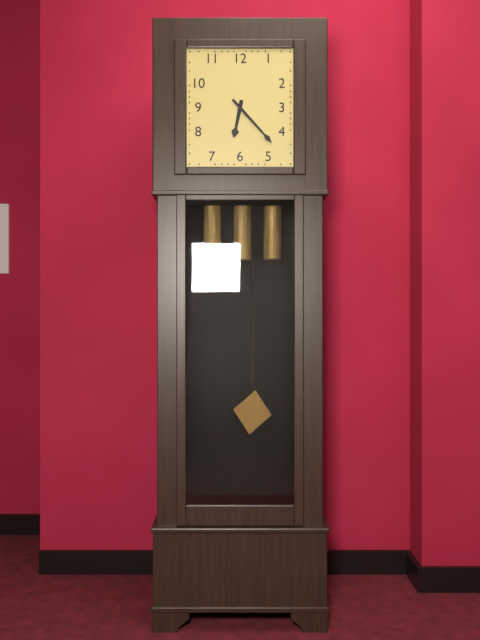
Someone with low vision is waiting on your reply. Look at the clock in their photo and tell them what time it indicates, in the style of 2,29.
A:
6,23
